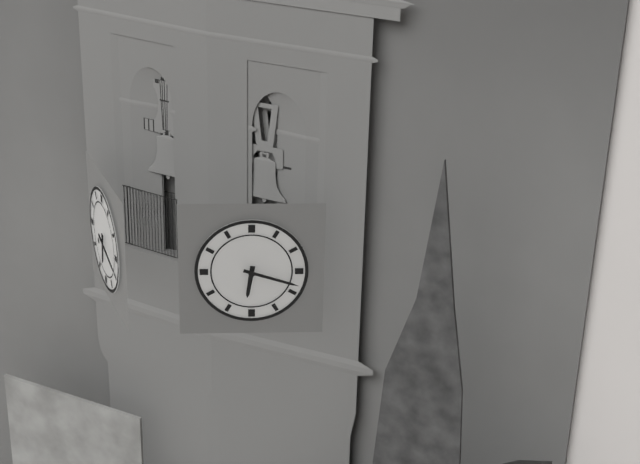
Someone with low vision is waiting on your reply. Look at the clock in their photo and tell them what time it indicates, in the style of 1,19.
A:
6,18
